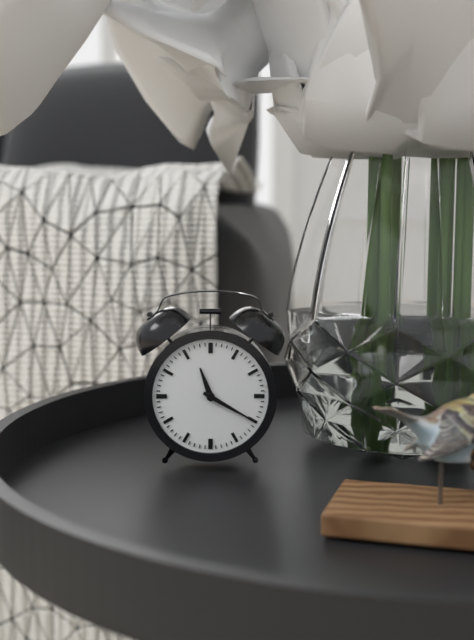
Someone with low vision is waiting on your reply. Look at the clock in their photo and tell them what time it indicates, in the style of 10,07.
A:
11,20
